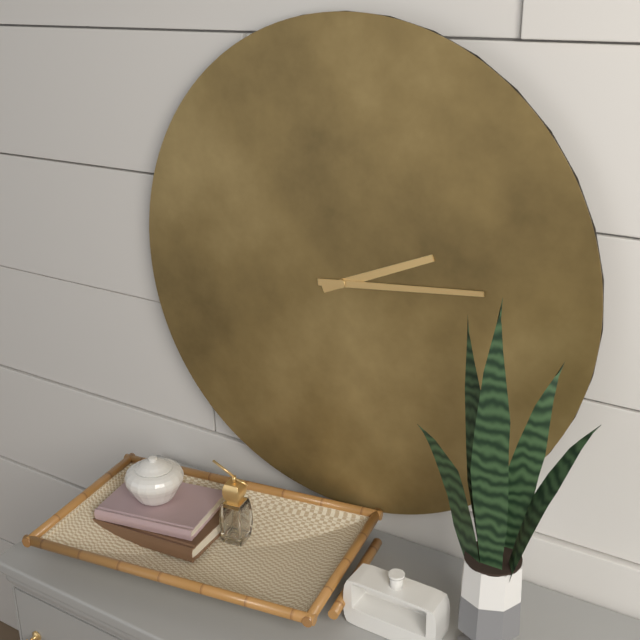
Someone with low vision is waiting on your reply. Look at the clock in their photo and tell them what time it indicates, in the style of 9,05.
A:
2,14
